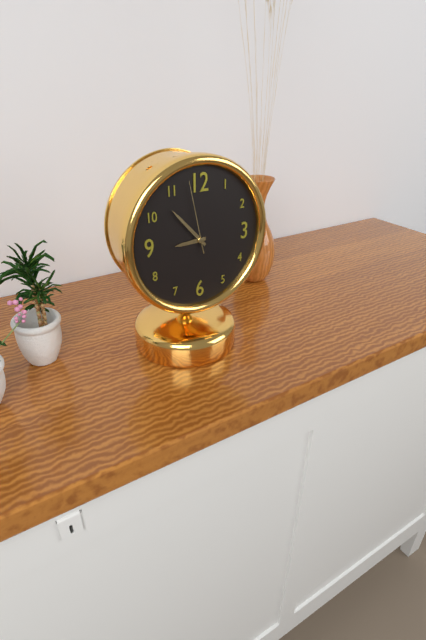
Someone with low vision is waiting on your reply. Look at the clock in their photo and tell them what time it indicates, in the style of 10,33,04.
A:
8,53,58
